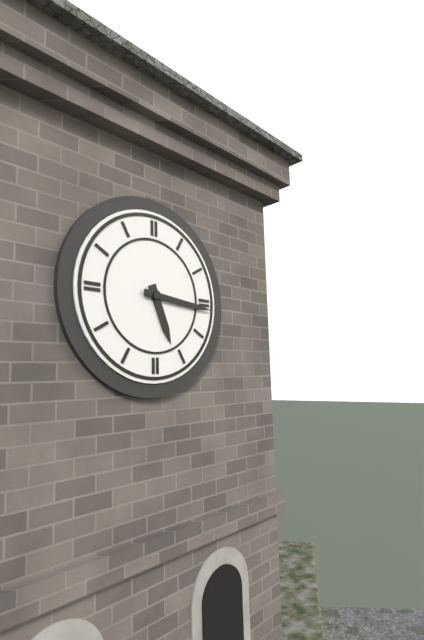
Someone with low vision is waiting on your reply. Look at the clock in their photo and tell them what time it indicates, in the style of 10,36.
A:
5,16
